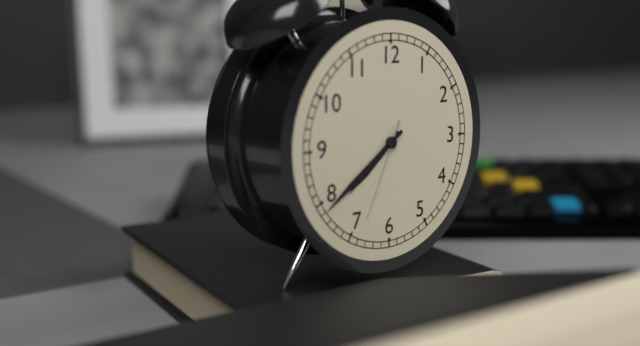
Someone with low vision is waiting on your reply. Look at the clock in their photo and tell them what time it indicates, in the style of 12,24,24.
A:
7,39,34
